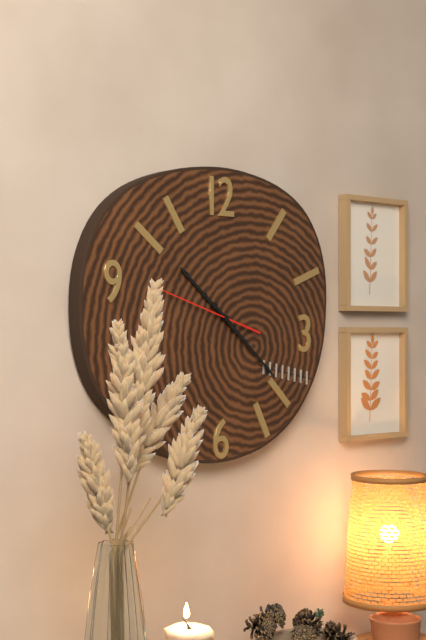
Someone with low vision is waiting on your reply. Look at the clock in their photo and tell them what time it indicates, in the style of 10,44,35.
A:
10,22,48
